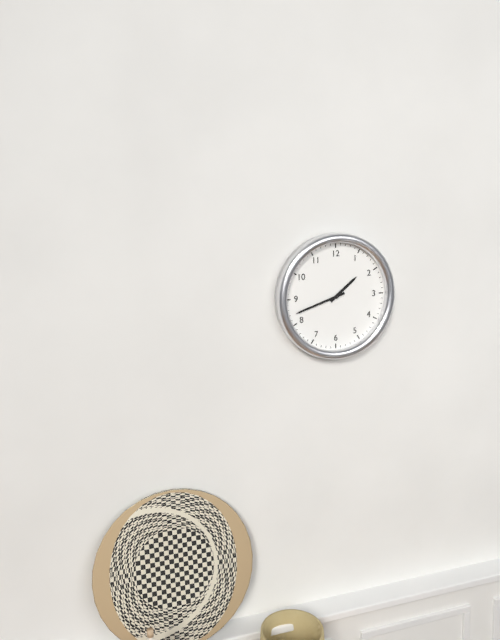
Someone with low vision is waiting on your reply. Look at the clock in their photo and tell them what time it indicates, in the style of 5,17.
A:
1,42
